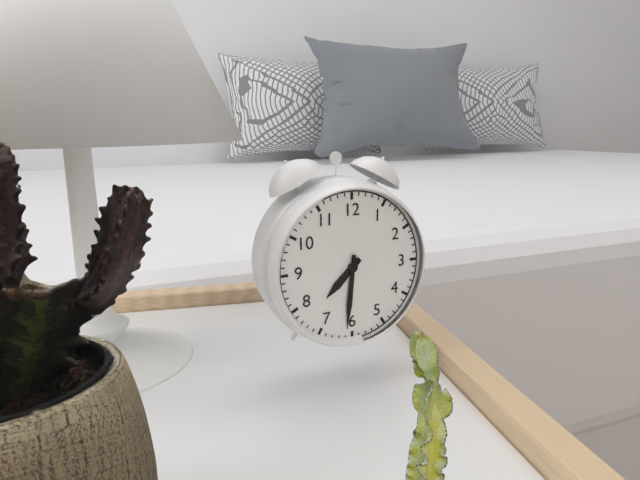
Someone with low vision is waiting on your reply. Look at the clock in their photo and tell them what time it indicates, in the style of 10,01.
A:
7,31
